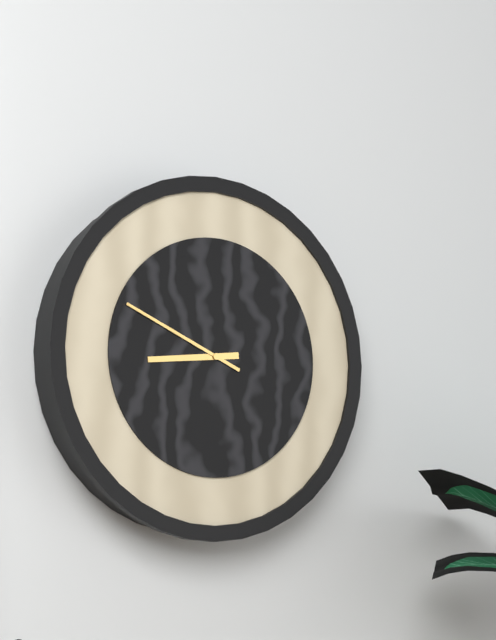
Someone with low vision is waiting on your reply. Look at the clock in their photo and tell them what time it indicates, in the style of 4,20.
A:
8,49
